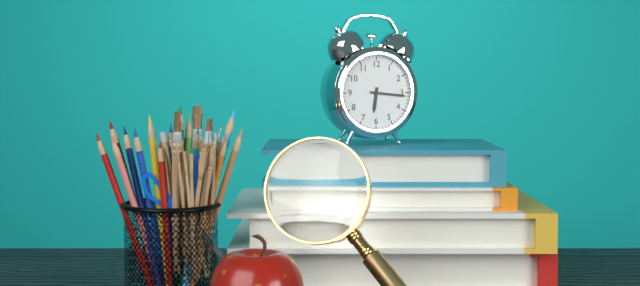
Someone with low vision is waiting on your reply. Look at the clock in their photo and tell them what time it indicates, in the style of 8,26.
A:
6,16
